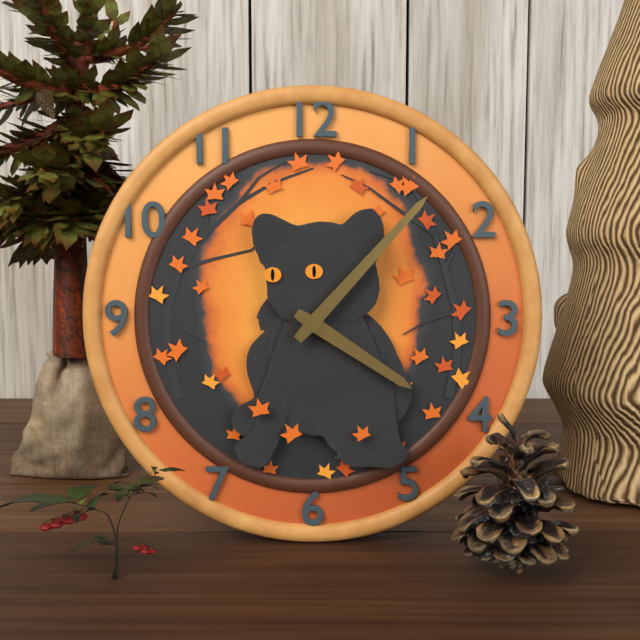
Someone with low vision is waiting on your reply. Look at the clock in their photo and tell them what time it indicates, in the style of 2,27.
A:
4,07
